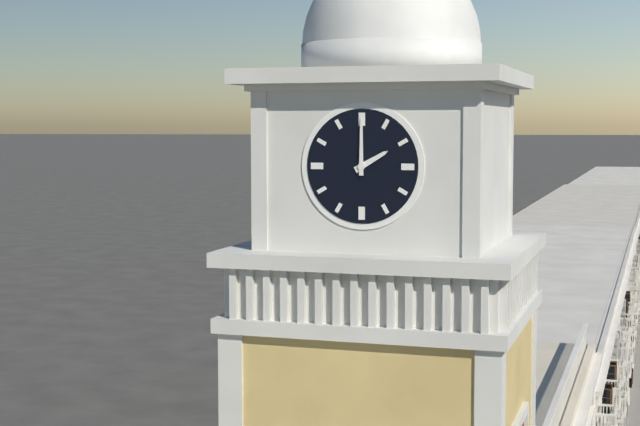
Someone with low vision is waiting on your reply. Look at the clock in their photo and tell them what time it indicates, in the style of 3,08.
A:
2,00
